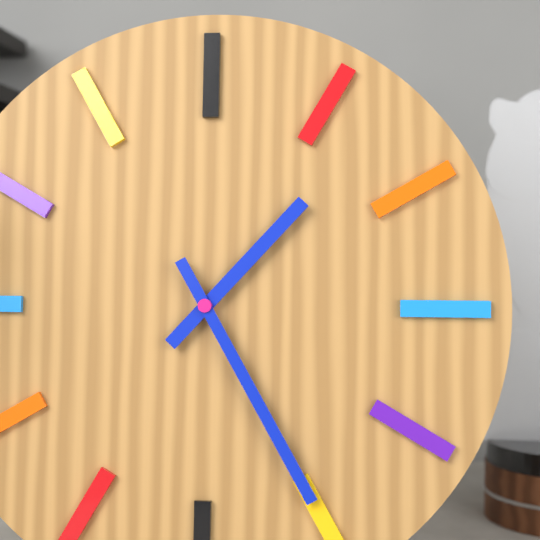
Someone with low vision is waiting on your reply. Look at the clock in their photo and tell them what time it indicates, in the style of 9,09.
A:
1,25
